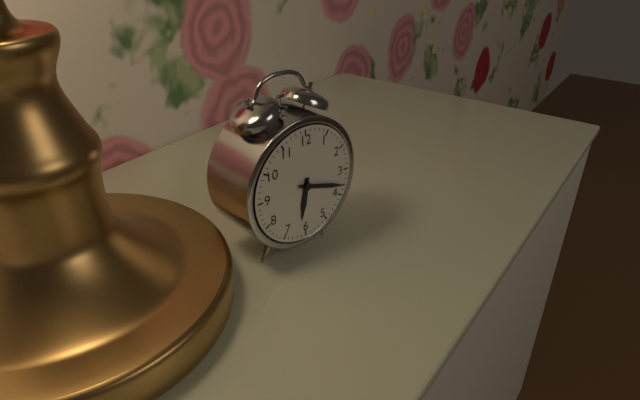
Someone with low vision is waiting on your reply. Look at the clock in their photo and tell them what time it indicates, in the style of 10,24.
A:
6,18
